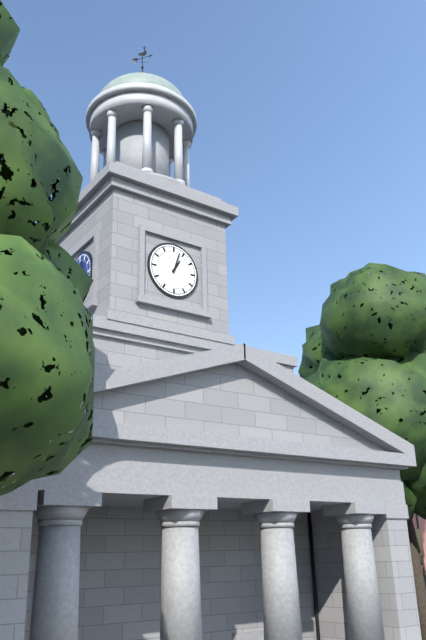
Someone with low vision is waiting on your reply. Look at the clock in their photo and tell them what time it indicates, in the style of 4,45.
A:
1,03
